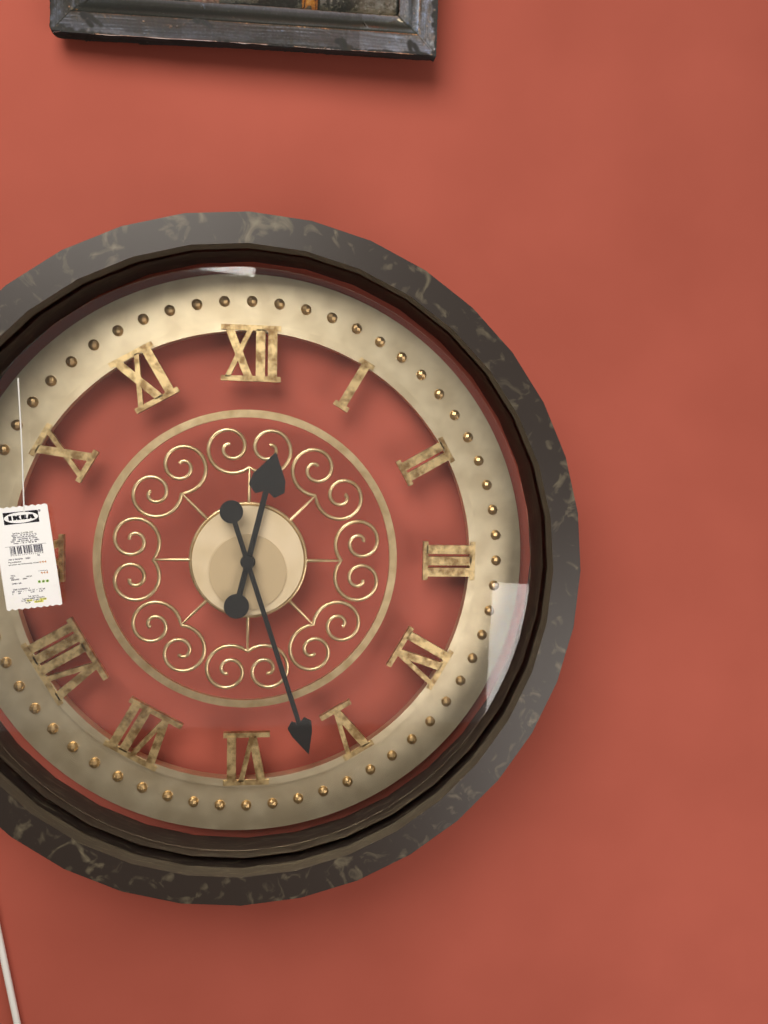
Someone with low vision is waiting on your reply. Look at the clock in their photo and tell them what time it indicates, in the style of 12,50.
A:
12,27
